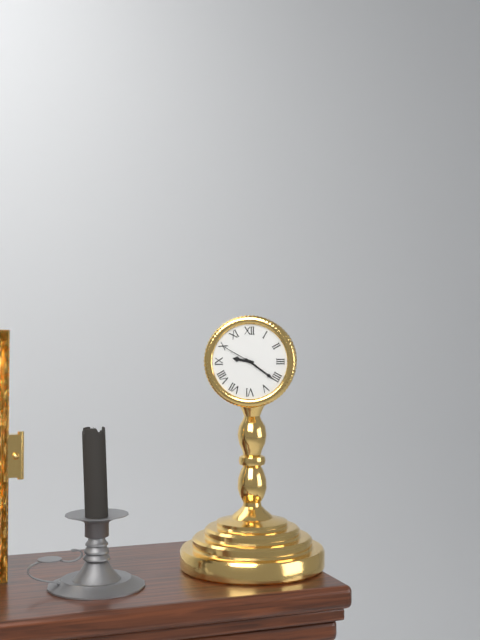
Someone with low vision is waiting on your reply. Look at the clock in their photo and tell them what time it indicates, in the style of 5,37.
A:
9,21
